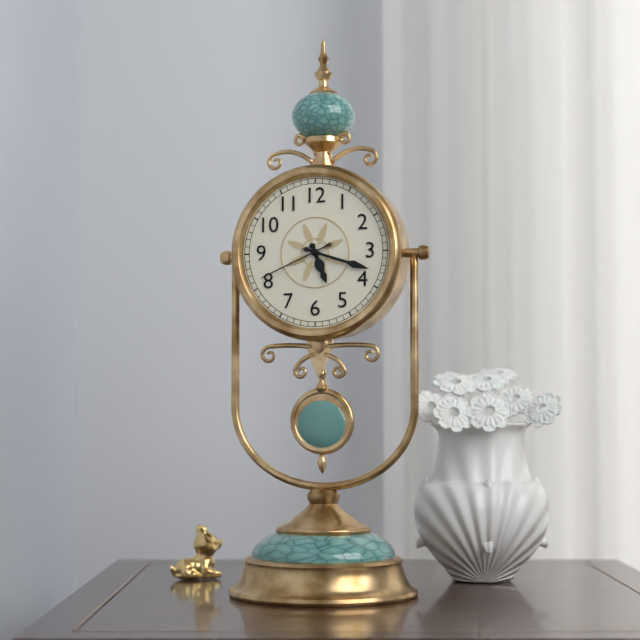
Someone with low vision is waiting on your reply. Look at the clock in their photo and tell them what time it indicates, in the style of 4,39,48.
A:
5,18,41
